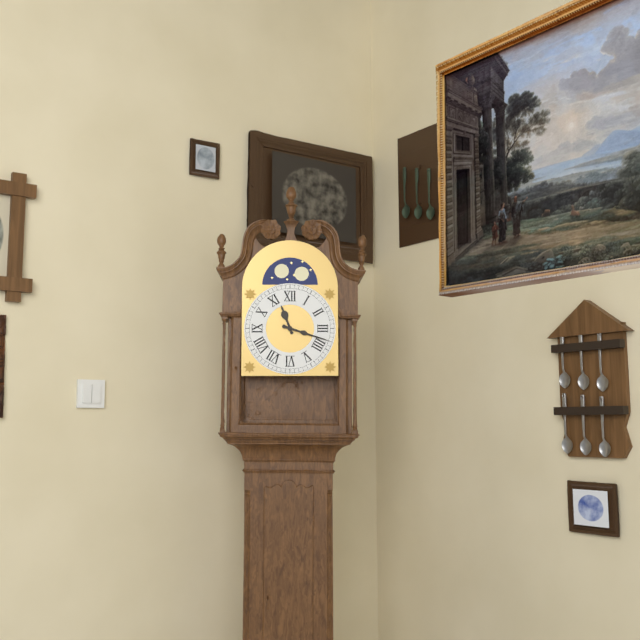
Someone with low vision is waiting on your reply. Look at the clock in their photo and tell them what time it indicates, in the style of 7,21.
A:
11,18
